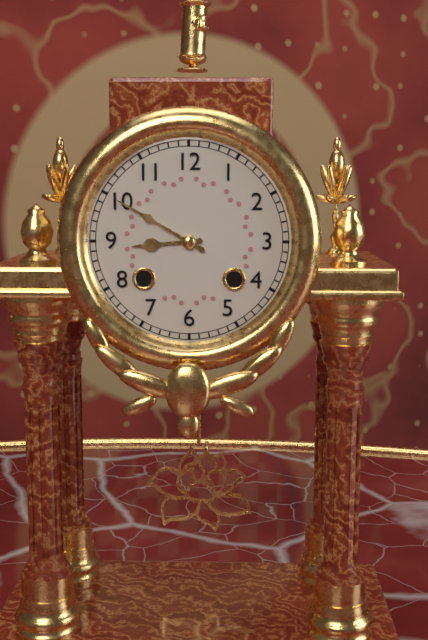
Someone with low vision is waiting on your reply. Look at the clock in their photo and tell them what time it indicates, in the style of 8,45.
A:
8,50
